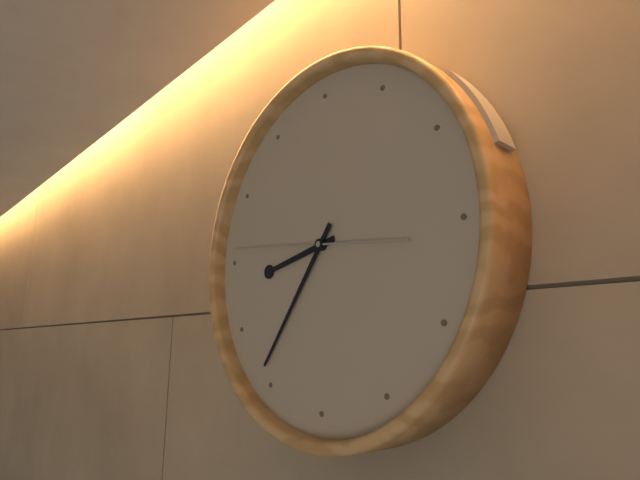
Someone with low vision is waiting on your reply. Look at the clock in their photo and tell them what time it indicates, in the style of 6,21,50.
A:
8,36,46
